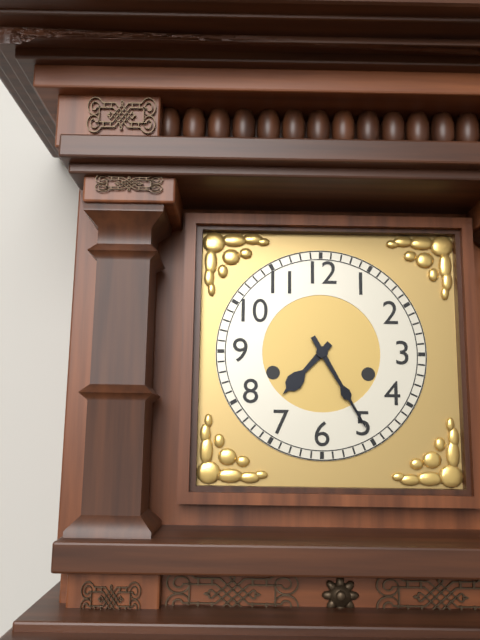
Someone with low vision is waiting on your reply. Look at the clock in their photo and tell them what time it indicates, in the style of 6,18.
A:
7,25
